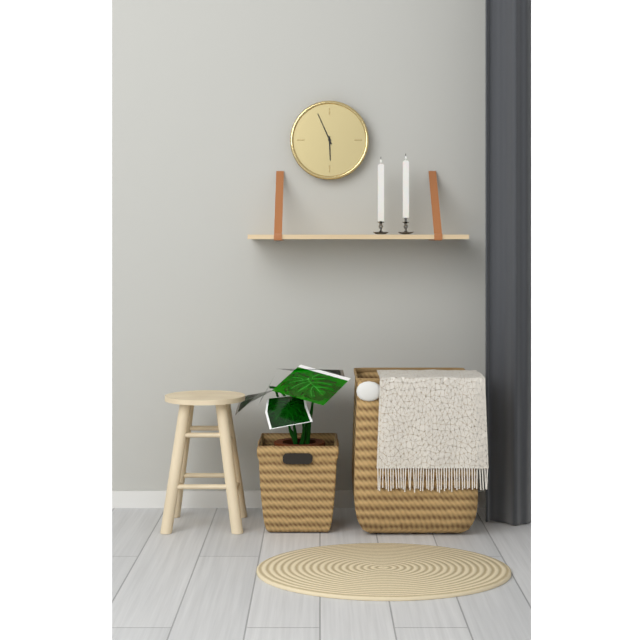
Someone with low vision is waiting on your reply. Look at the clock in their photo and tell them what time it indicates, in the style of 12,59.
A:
5,56
